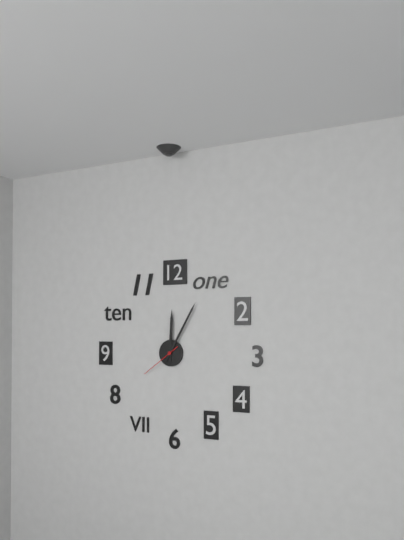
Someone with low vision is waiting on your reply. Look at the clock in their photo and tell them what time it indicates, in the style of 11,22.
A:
12,05
